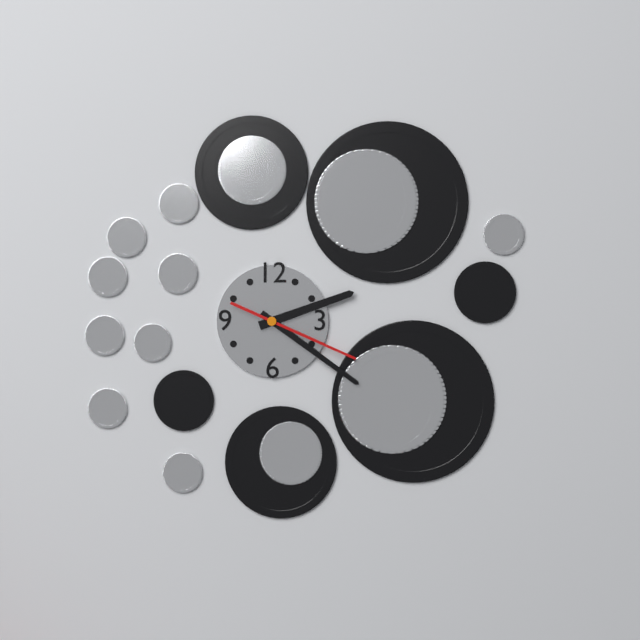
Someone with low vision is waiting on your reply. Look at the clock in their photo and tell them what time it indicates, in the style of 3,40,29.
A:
2,21,19
